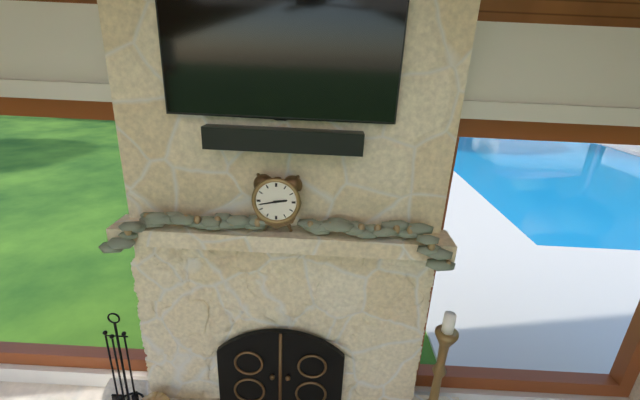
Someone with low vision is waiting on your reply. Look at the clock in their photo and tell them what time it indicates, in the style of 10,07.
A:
2,43
